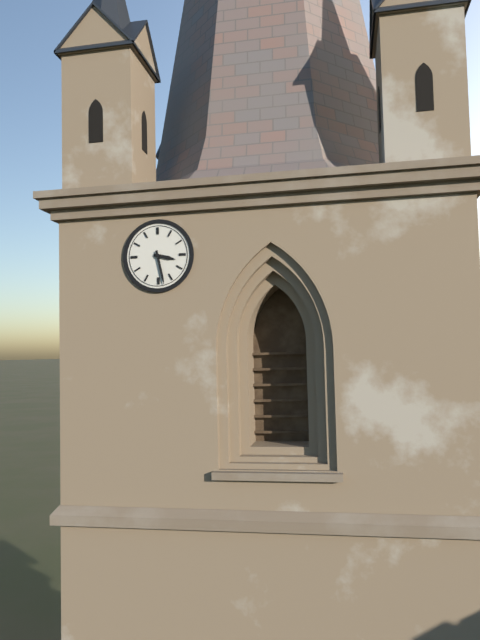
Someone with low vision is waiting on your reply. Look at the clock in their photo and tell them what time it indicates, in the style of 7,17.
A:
3,28
